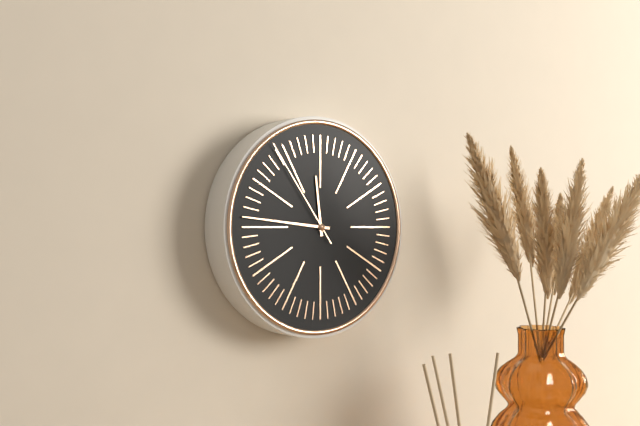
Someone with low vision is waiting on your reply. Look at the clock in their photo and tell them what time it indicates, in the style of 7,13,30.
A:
11,46,54
